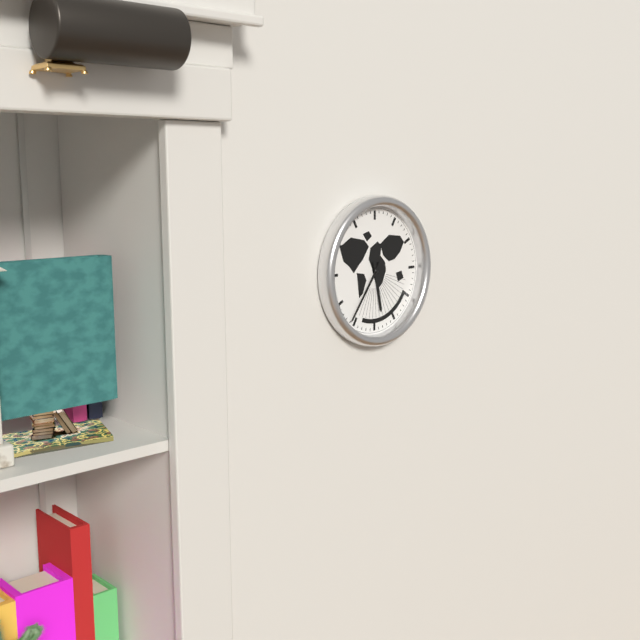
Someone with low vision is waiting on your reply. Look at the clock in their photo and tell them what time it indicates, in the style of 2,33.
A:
5,36
